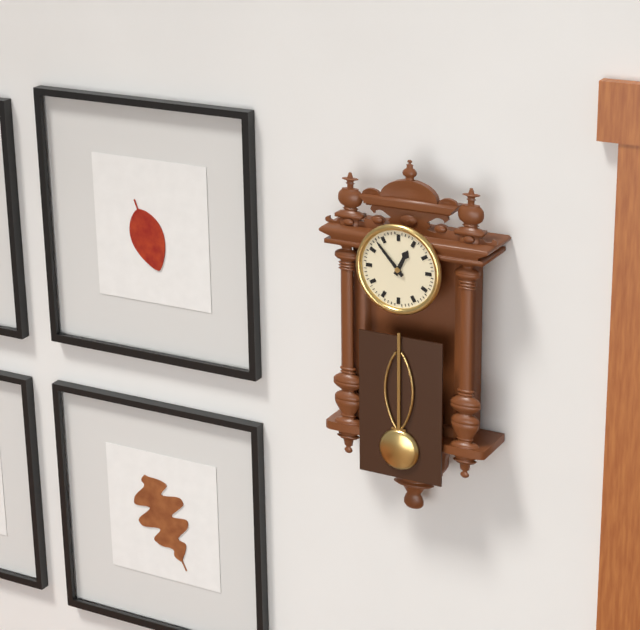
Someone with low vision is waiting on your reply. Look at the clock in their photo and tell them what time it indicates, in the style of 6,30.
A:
12,53
